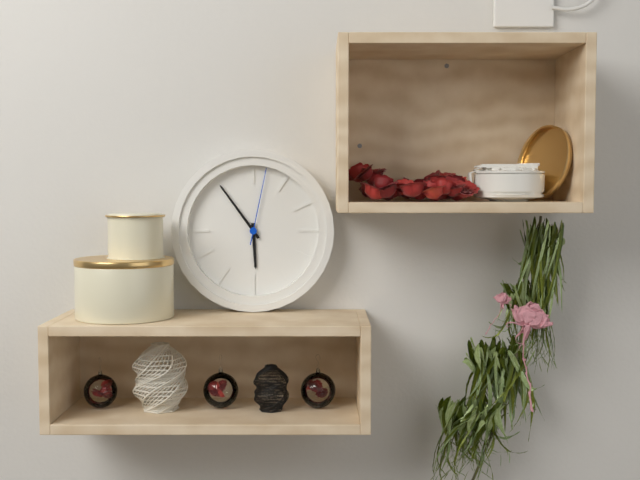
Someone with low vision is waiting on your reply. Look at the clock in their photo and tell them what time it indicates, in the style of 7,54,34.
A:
5,54,02
